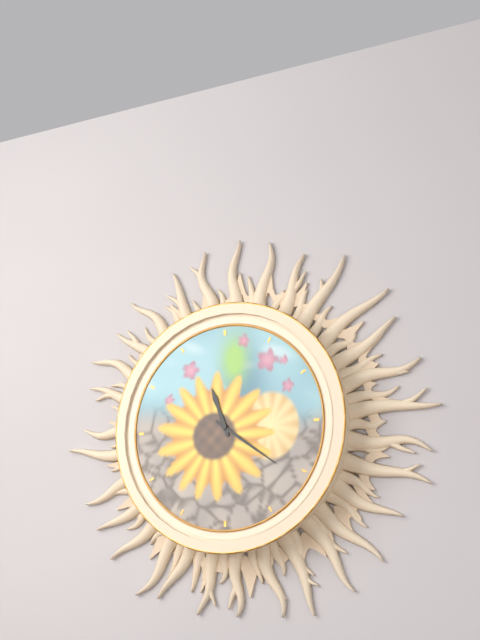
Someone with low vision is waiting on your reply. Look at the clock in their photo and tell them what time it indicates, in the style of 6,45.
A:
11,21
